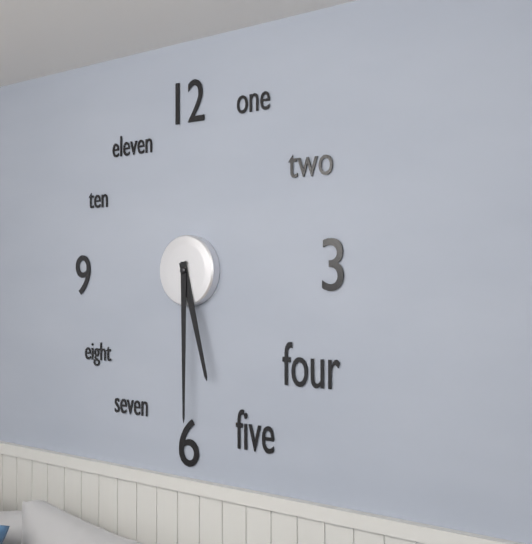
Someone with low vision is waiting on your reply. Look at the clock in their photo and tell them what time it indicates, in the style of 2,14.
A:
5,30
